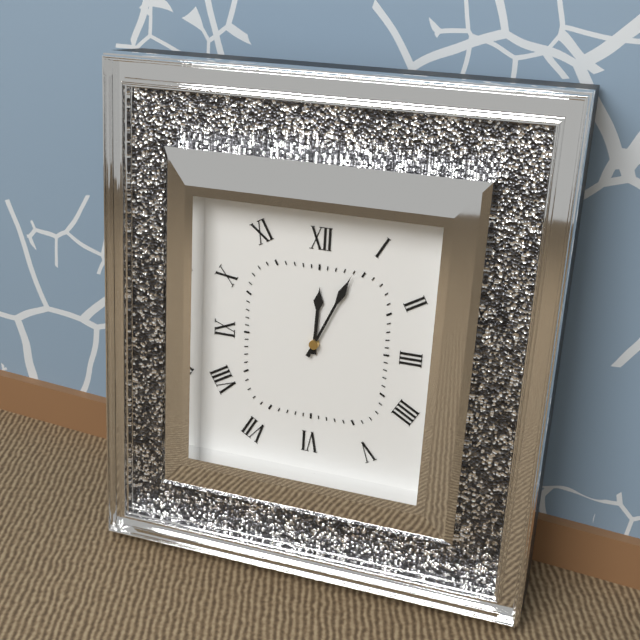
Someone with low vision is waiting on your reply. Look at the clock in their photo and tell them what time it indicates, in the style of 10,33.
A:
12,04
